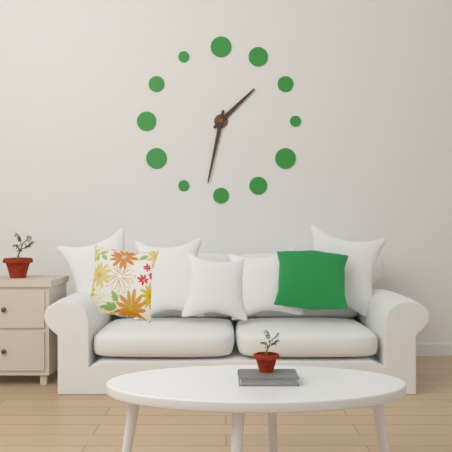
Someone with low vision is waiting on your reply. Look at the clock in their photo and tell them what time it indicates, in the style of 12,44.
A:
1,32
